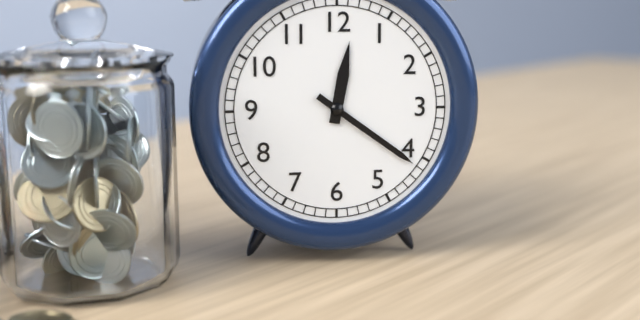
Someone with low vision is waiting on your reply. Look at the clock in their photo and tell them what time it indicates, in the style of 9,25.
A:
12,21
